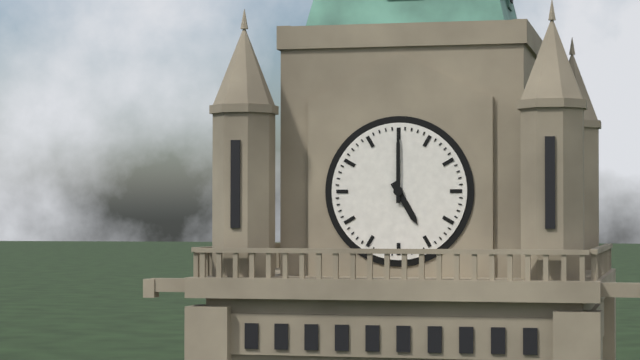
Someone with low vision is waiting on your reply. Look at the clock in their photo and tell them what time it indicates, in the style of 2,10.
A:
5,00
